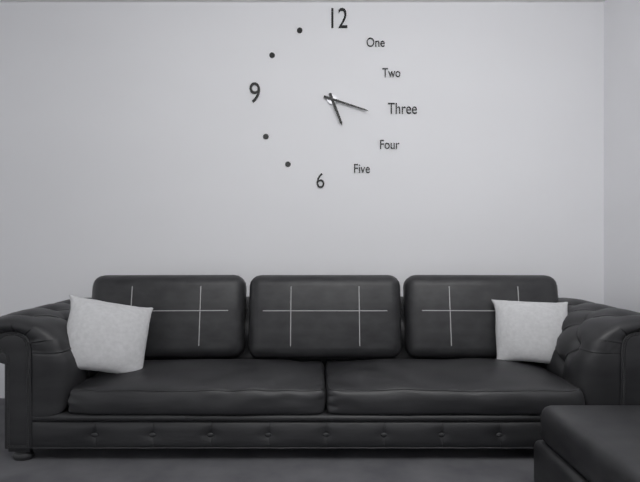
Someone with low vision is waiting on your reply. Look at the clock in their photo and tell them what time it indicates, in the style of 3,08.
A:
5,18
